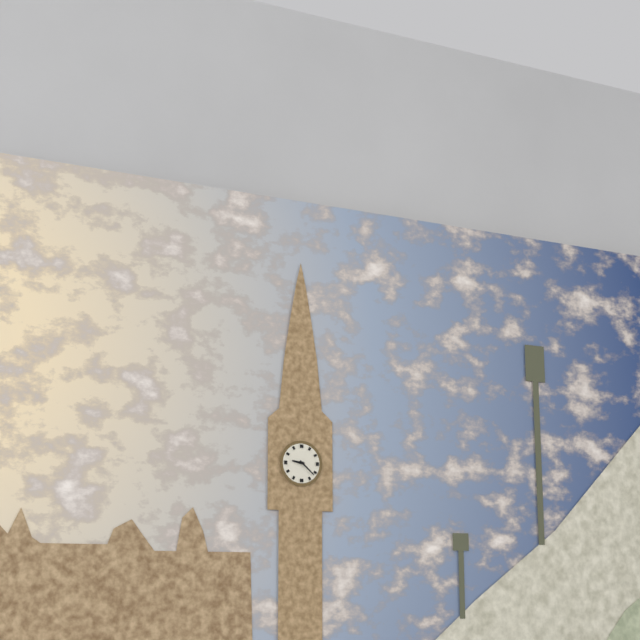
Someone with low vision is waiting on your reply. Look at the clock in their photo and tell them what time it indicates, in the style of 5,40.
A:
9,22
